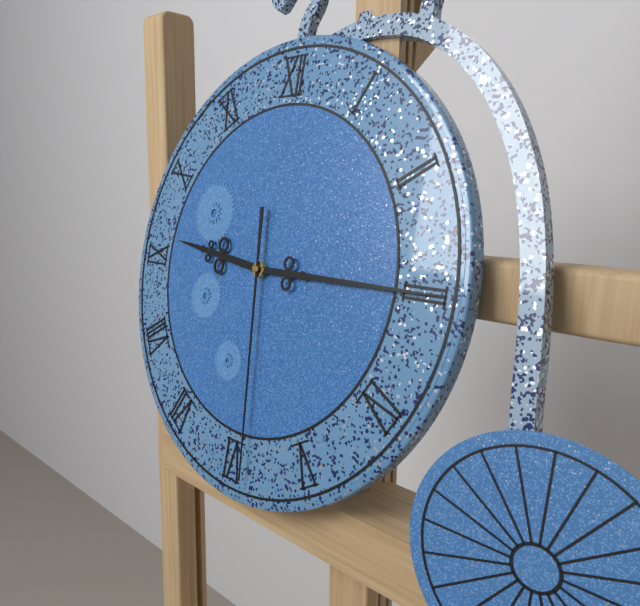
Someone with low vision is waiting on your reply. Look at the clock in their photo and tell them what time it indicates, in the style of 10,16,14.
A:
9,15,29
